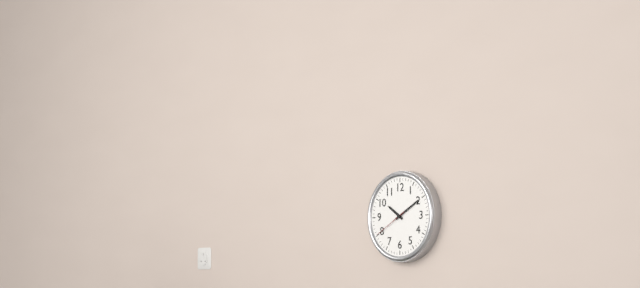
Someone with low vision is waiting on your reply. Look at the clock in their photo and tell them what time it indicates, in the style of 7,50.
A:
10,10
